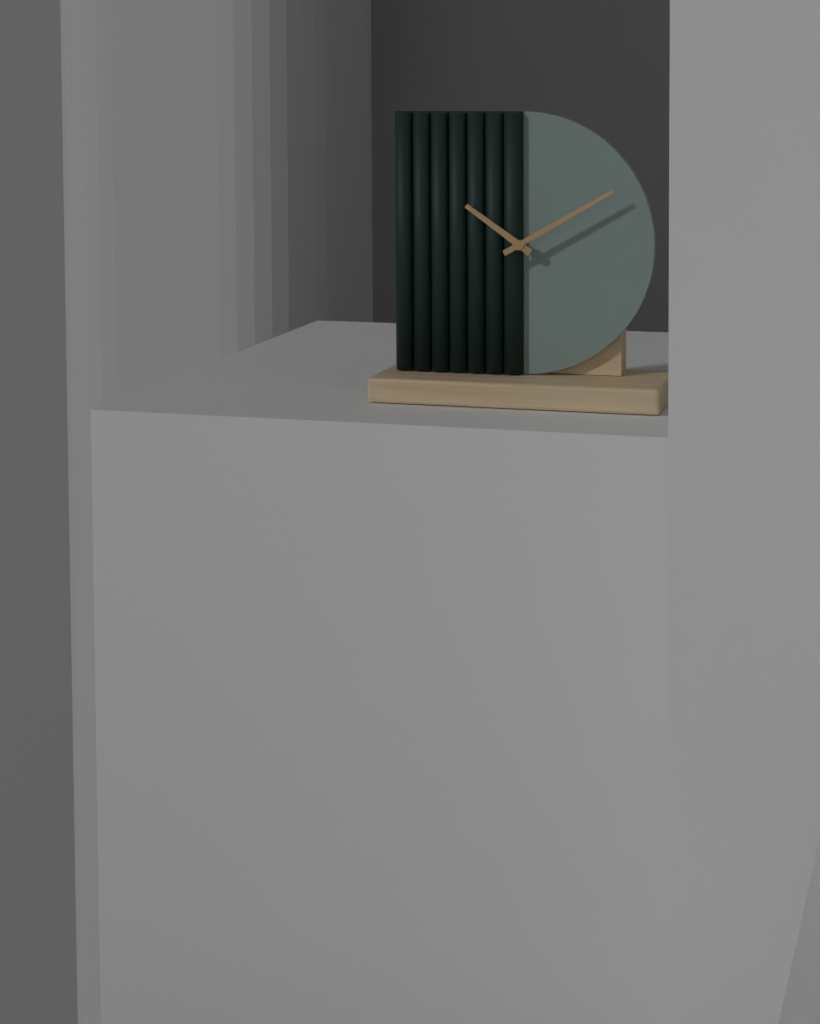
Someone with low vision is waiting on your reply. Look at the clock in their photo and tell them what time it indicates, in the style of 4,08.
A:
10,10
